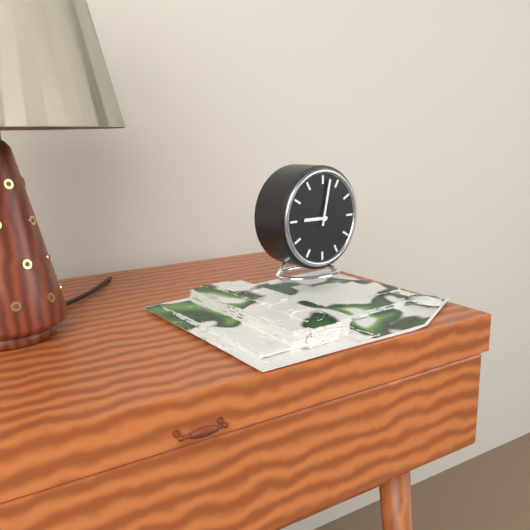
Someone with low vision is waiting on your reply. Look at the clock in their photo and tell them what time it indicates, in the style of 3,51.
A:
9,02
